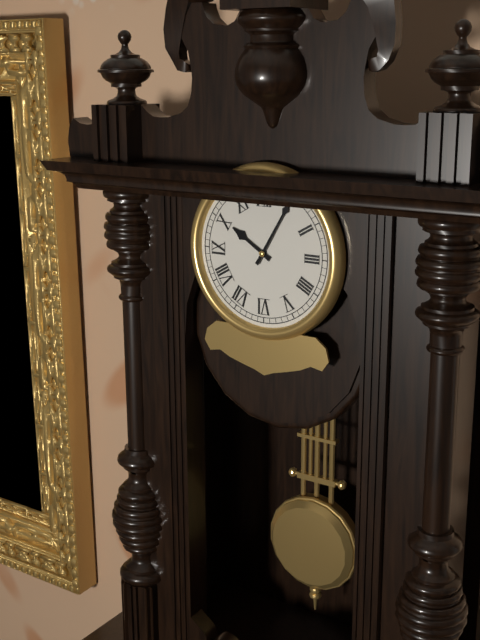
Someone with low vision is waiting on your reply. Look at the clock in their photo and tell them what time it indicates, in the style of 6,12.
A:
10,05
